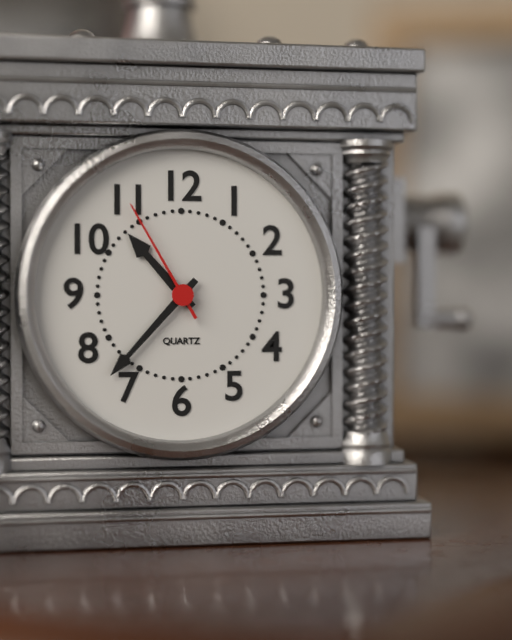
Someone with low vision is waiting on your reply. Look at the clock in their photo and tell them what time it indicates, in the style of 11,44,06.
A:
10,37,55
